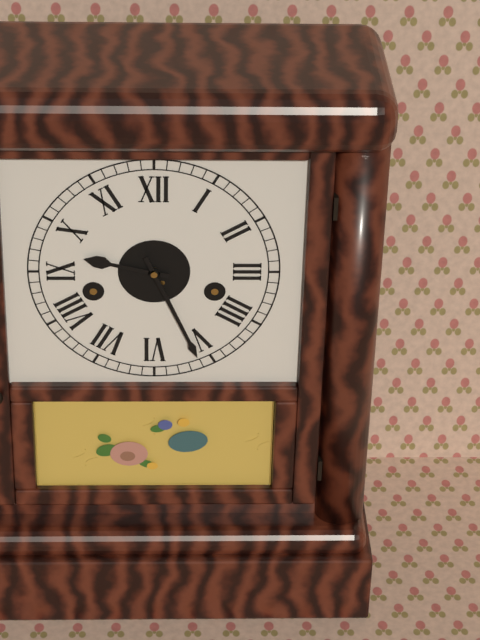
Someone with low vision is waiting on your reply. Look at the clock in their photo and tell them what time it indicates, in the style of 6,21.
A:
9,26
